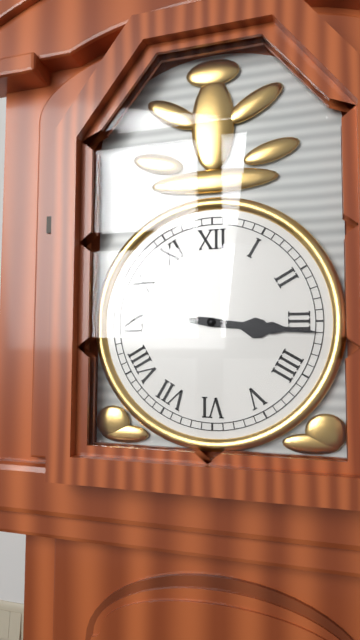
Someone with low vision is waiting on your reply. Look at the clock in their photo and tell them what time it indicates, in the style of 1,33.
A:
3,16
